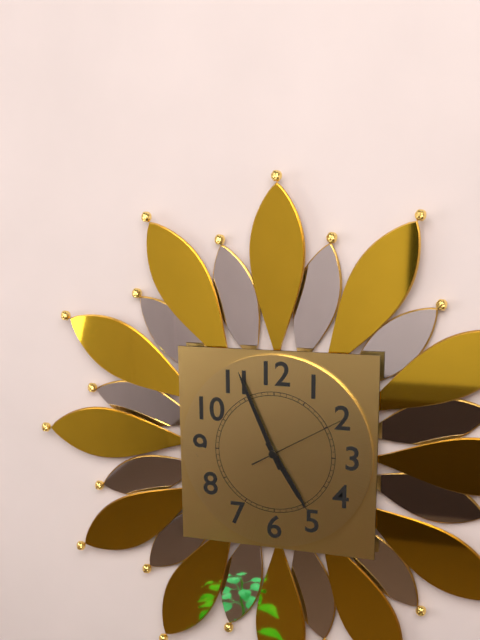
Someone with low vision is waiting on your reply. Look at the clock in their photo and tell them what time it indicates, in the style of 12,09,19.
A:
4,56,10
